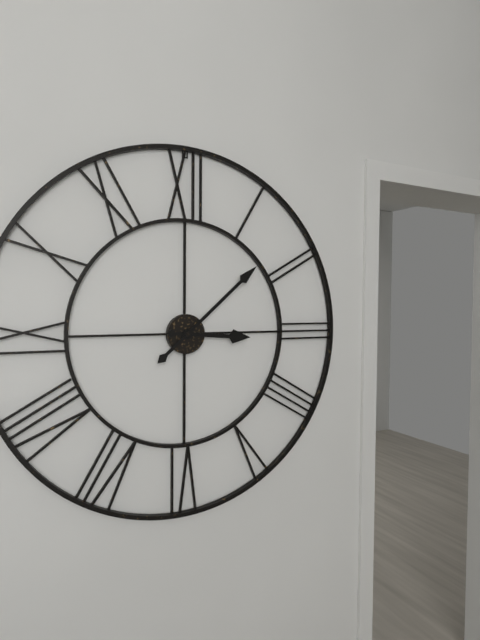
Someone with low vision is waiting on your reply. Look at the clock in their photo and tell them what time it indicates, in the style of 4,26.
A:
3,08
